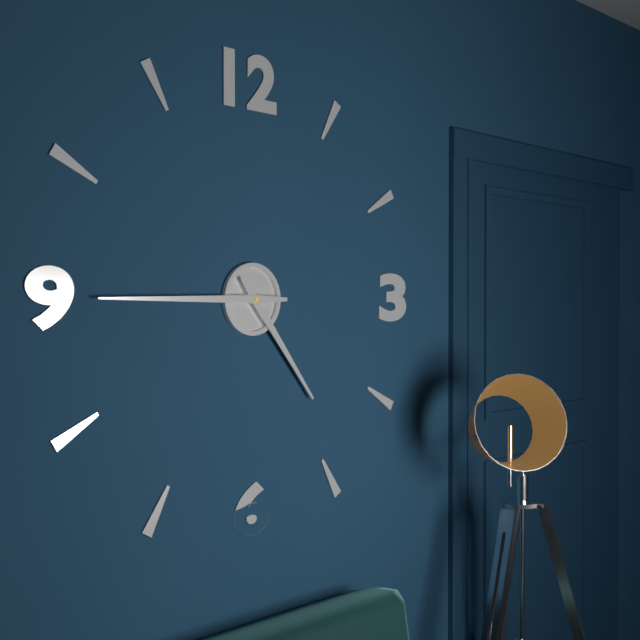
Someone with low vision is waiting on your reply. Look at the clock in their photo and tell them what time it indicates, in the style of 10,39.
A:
4,45
